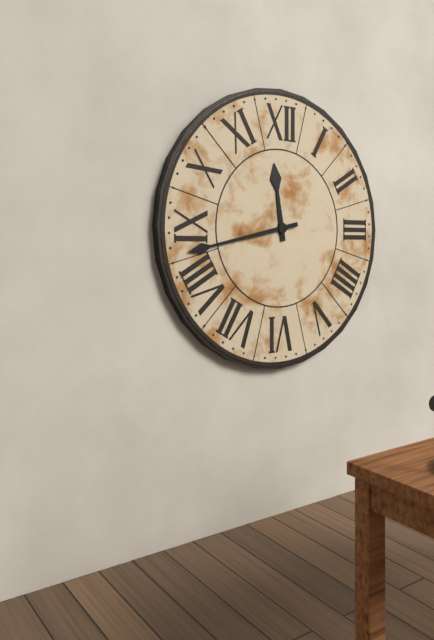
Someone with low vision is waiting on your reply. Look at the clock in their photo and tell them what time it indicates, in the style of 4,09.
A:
11,43
